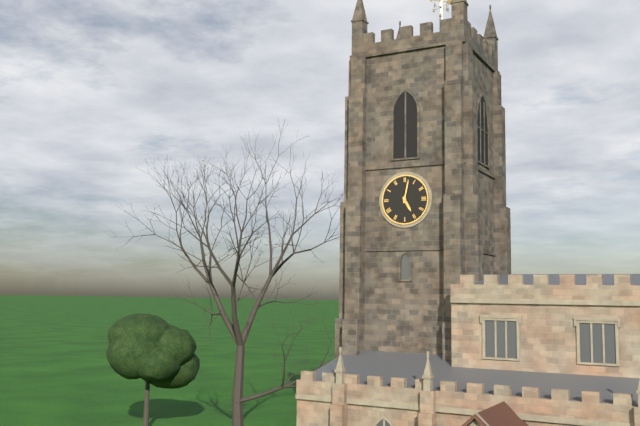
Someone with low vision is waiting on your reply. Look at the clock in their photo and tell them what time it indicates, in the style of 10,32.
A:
5,02
